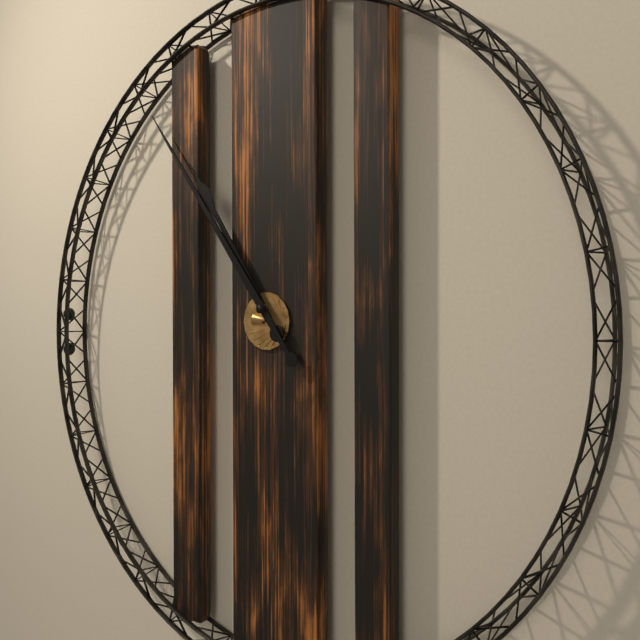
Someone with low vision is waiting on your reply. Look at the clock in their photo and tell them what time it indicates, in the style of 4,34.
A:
10,54
